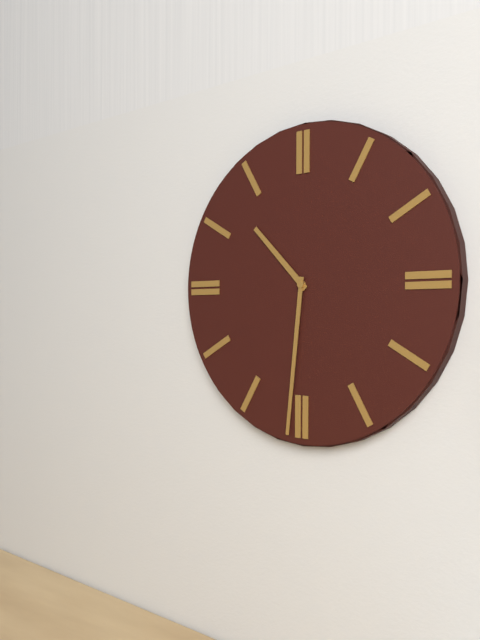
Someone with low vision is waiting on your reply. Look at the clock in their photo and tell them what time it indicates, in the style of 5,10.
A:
10,31
